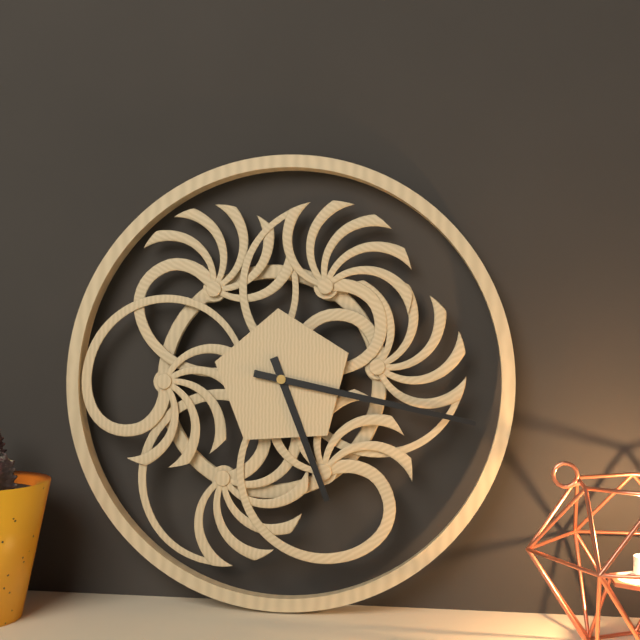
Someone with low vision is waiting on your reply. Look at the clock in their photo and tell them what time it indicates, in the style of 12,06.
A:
5,17
